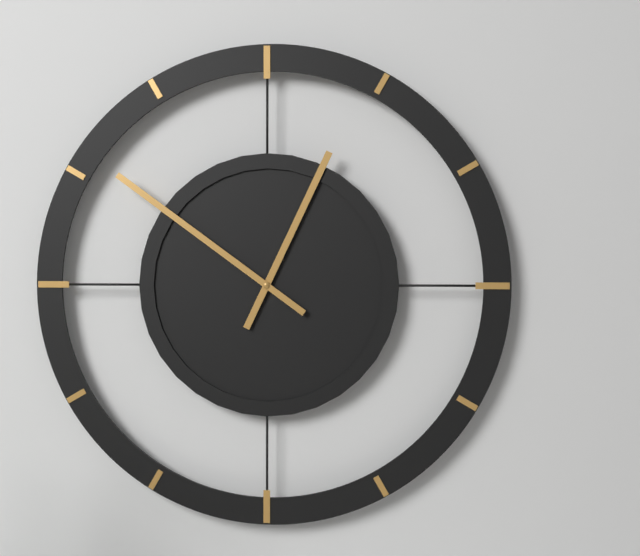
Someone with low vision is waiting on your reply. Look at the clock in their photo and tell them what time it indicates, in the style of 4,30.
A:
12,51
